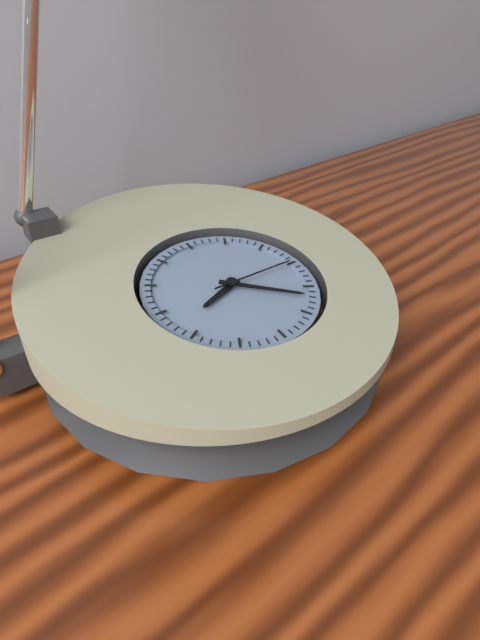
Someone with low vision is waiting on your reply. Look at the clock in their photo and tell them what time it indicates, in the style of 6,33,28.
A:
8,22,15
